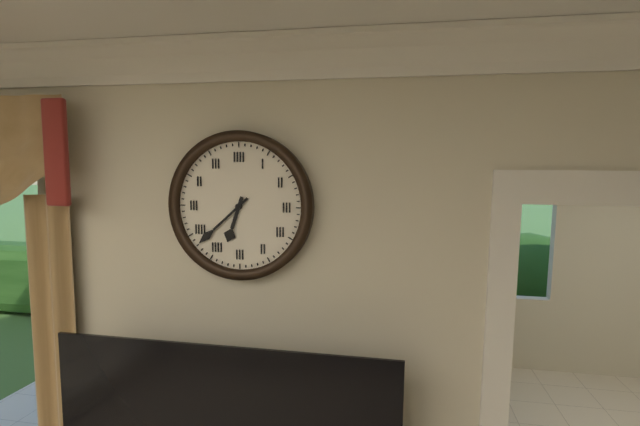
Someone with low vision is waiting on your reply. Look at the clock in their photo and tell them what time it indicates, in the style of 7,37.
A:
6,38
